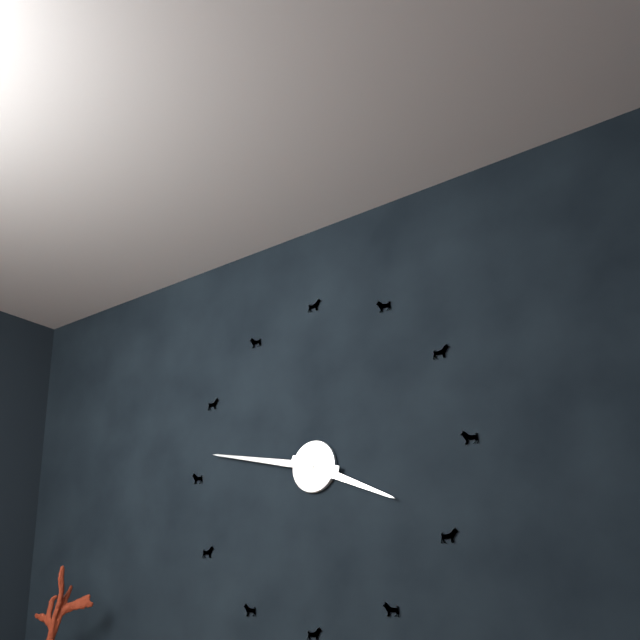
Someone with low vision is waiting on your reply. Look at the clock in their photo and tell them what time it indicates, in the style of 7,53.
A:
3,47
